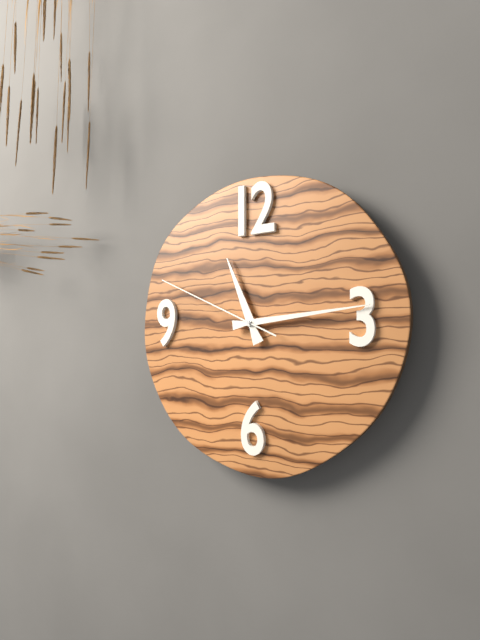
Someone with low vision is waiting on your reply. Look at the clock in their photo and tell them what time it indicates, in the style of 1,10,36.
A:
11,14,49
